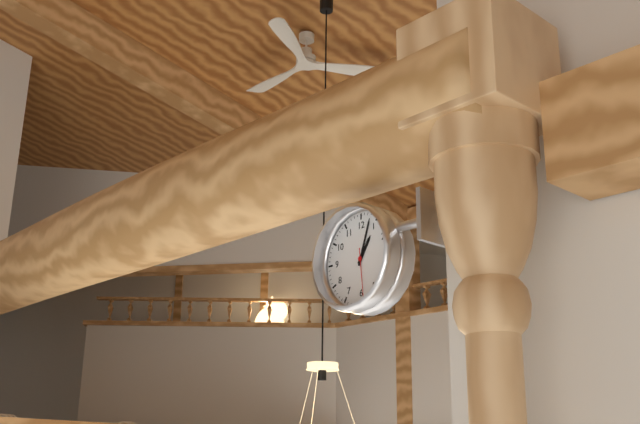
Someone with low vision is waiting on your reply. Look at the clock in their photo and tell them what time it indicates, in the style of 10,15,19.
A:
1,03,29
